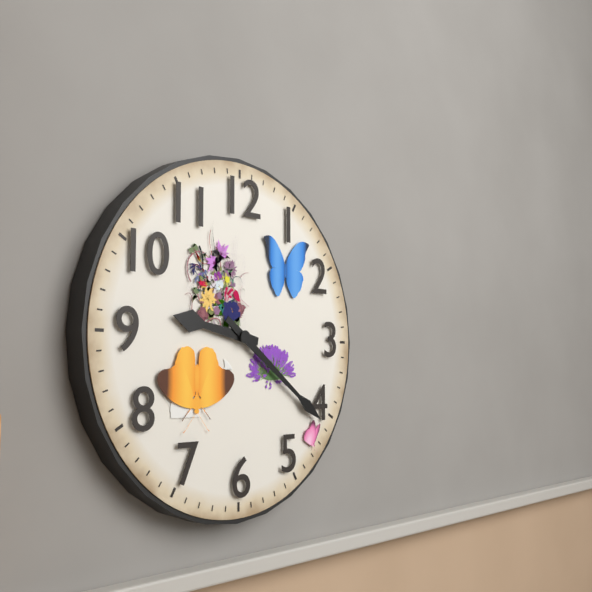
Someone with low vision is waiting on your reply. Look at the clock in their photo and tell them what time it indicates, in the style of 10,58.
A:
9,21
